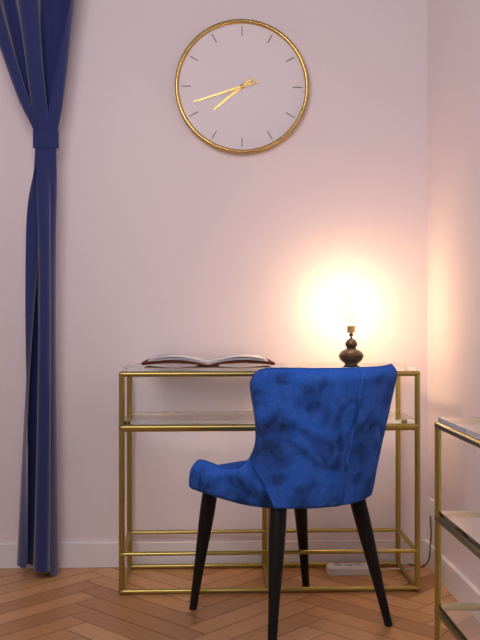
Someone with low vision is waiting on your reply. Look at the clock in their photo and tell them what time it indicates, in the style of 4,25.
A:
7,42
